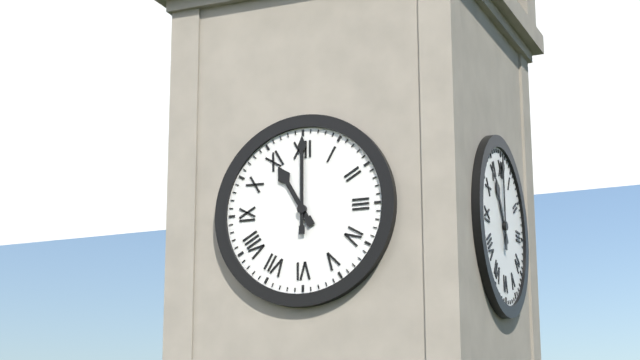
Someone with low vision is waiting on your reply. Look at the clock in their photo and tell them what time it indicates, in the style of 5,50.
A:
11,00
